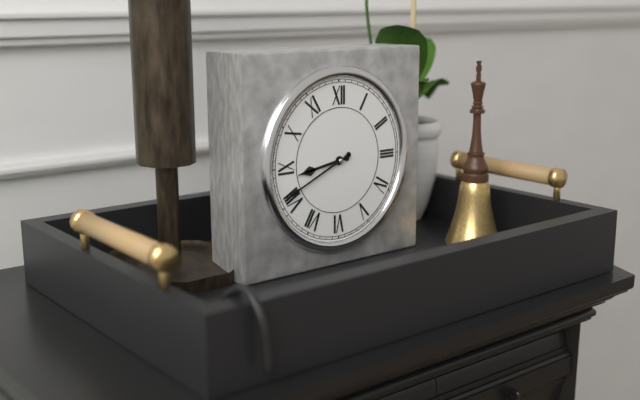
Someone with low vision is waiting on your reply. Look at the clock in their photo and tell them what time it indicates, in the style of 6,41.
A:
8,41
